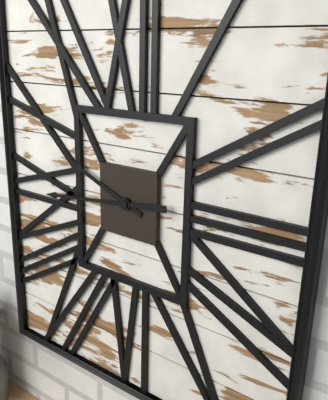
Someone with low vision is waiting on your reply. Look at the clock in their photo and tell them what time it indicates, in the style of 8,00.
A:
9,44
